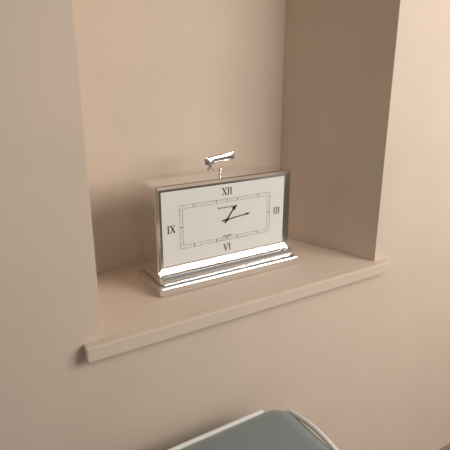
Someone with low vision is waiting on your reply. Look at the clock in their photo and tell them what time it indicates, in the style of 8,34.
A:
1,14
